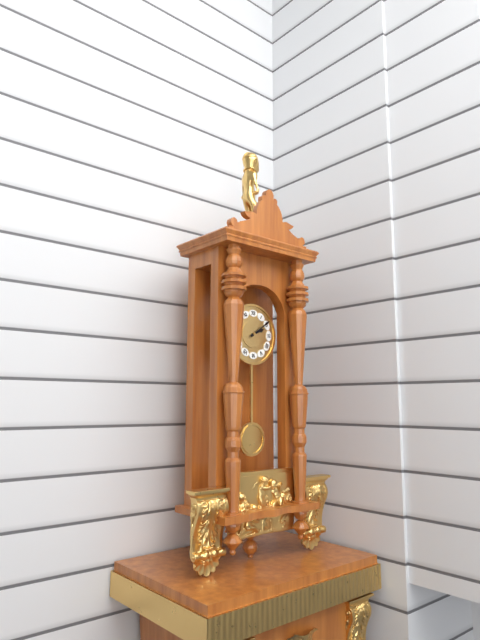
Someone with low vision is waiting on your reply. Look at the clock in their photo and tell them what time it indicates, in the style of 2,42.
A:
2,09
